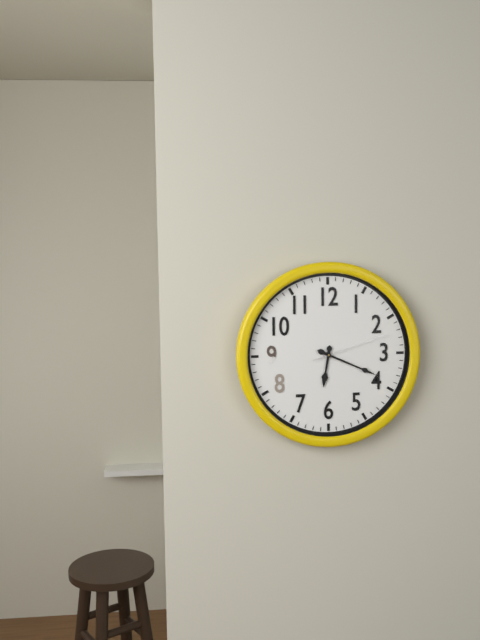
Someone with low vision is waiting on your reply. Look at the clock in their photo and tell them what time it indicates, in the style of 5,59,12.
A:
6,19,12
